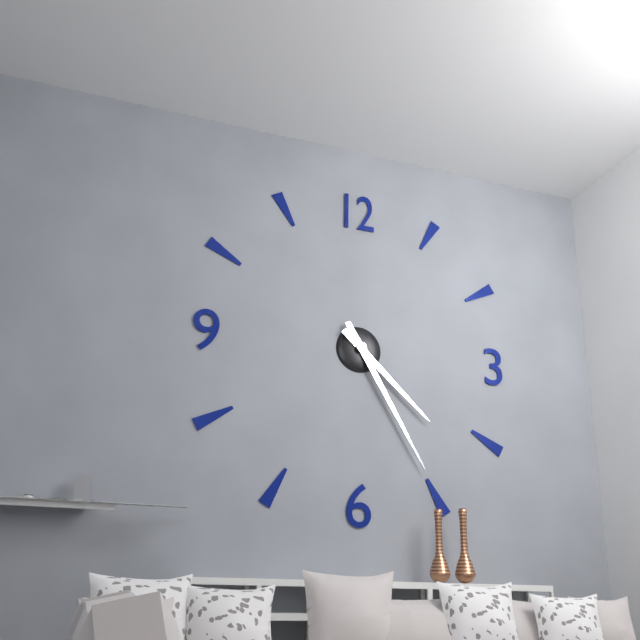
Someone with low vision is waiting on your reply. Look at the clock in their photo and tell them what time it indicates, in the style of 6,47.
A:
4,25
